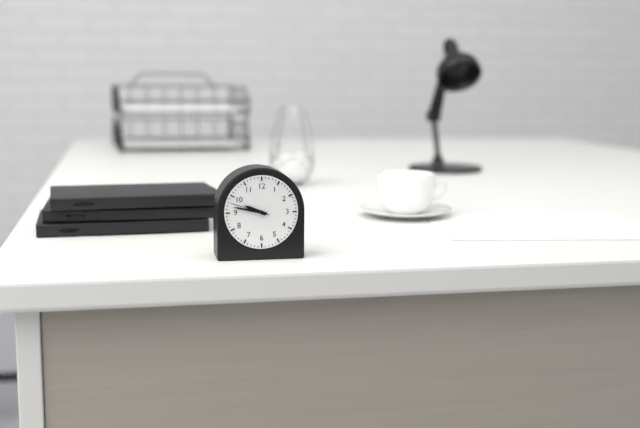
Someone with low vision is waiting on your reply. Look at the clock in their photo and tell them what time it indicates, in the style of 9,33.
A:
9,47
